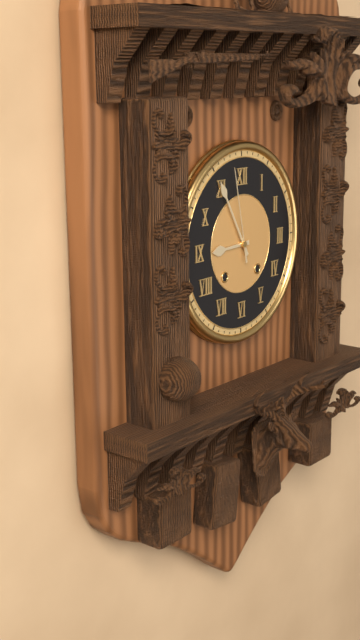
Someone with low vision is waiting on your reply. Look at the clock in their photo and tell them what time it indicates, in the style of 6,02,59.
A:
8,55,58
